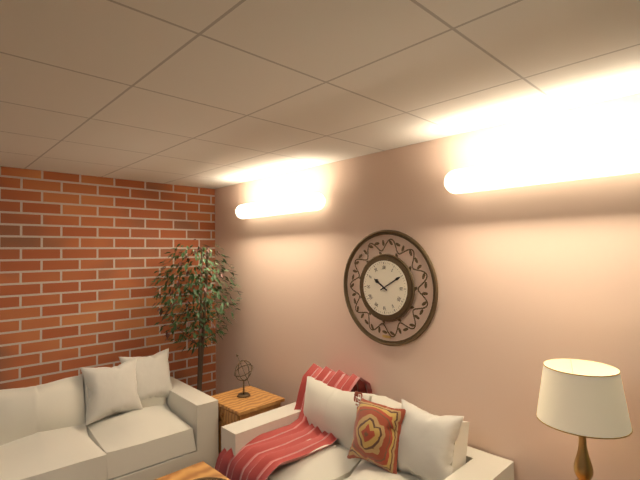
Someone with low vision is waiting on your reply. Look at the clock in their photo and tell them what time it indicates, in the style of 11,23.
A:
10,10
